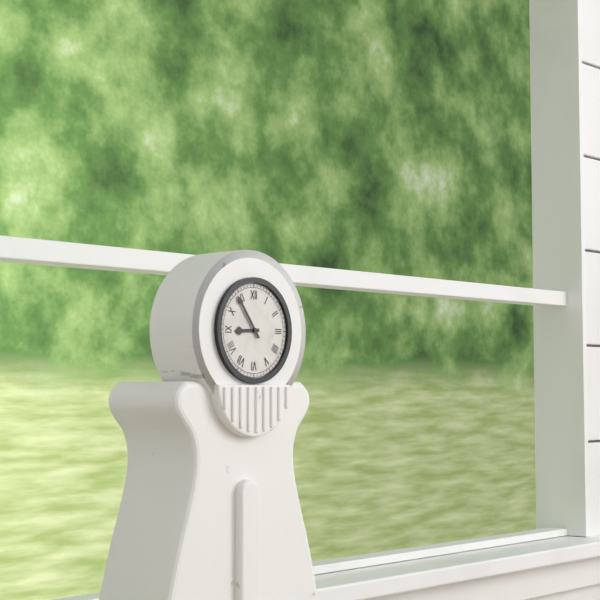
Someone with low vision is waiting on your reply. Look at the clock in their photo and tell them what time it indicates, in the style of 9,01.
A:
8,54
